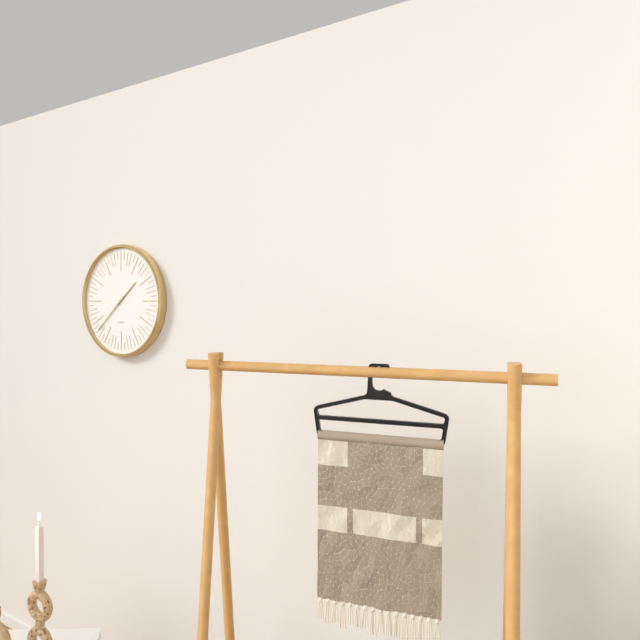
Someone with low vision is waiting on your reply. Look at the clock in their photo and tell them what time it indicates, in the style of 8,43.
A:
1,38
